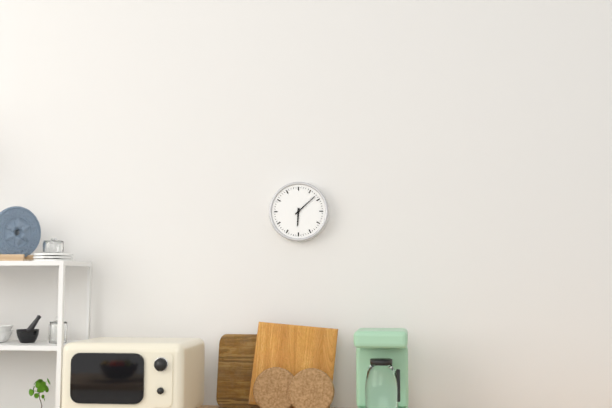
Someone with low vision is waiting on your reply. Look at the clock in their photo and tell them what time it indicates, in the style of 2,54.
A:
6,08
